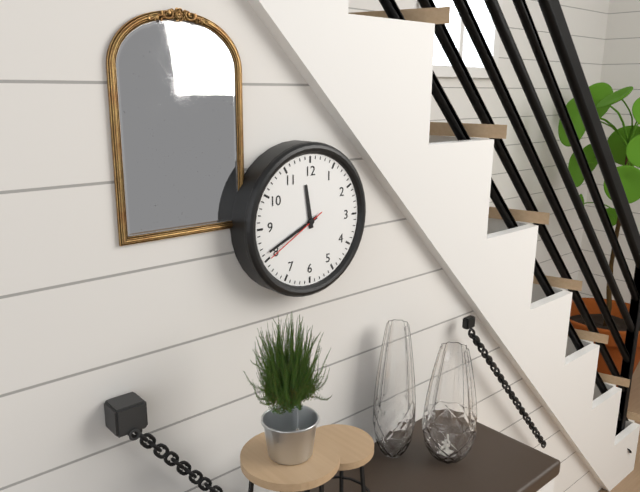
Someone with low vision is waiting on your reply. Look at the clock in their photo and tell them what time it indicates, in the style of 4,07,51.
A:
11,41,40
